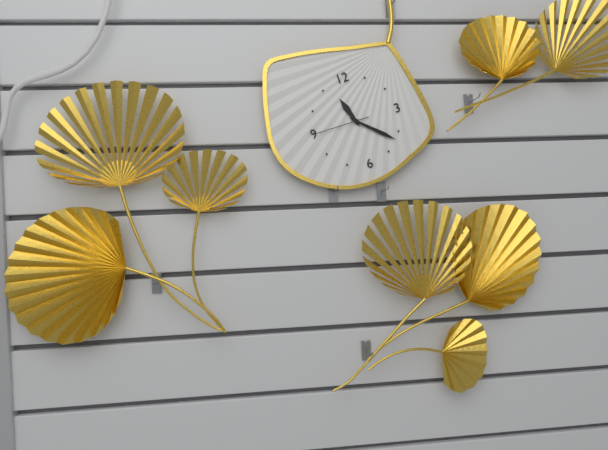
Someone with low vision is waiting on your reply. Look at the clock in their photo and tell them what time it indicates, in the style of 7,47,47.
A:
11,22,45
